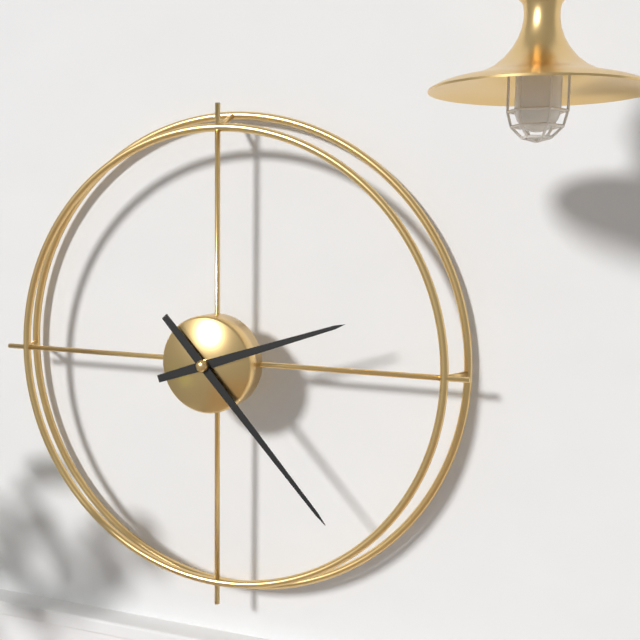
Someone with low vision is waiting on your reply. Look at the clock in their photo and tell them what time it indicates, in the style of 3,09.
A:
2,23
